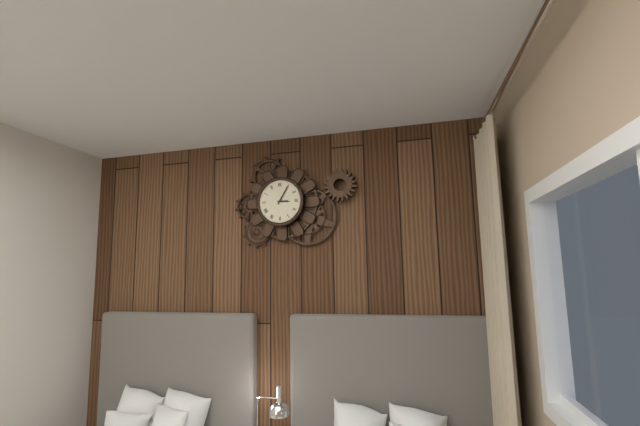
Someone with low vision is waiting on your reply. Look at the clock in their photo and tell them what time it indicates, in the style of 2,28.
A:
3,05
